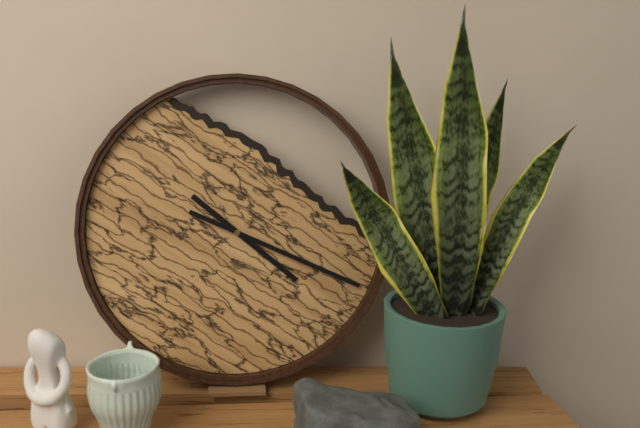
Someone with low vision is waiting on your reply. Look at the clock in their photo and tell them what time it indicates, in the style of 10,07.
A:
4,19
